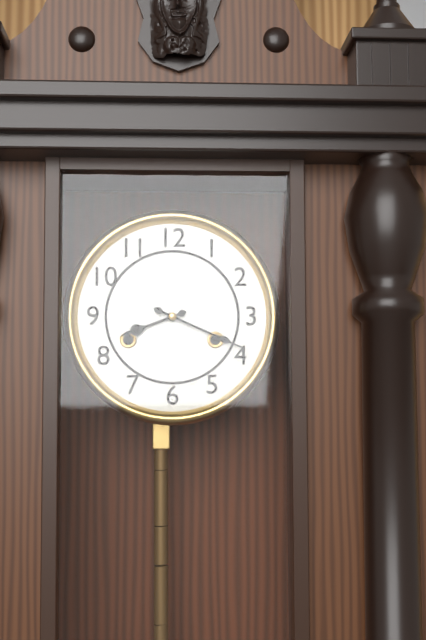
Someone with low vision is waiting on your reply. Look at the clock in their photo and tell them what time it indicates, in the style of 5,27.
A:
8,19
